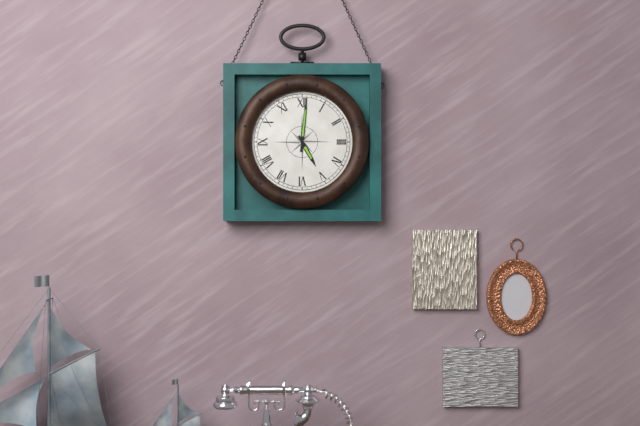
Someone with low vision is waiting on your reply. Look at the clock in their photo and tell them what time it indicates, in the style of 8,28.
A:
5,01
